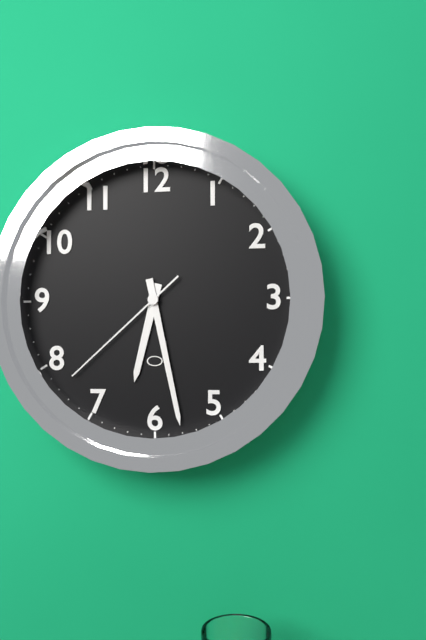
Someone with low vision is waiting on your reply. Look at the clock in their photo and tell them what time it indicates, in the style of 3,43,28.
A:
6,28,38
